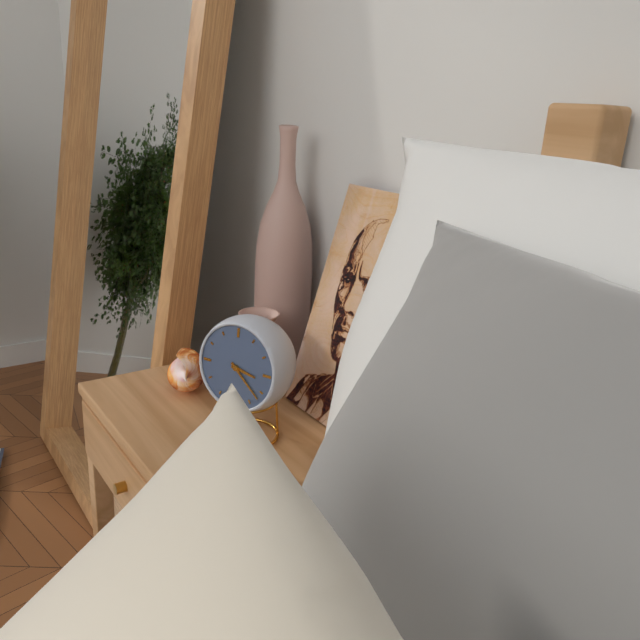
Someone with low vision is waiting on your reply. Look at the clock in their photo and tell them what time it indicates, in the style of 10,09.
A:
3,22
